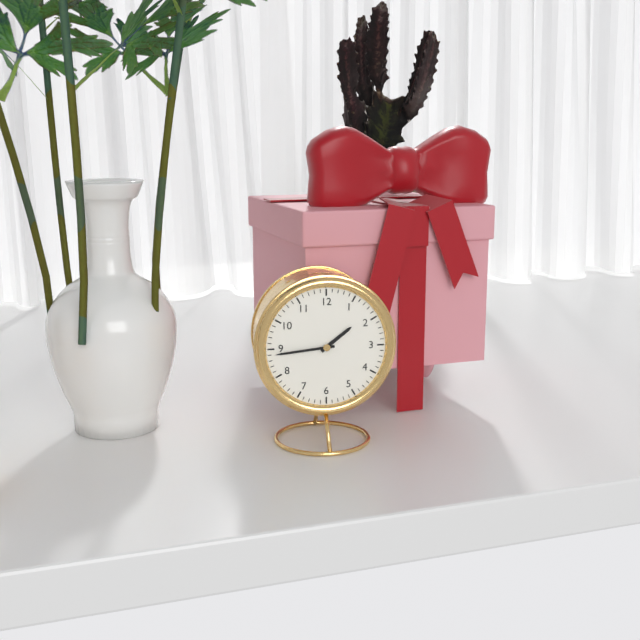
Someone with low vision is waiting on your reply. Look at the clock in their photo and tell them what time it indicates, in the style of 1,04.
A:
1,44
